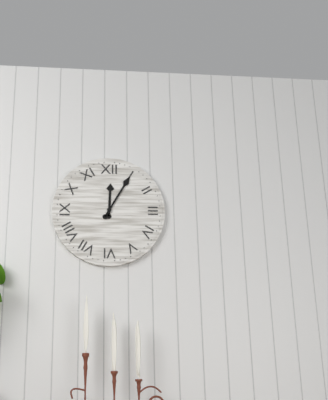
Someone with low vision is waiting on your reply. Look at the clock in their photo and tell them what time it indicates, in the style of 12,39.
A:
12,05
